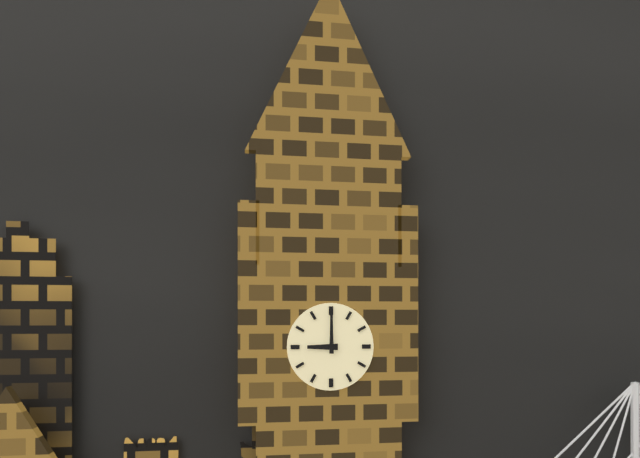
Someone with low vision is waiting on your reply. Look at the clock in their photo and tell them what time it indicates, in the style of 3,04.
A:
9,00
